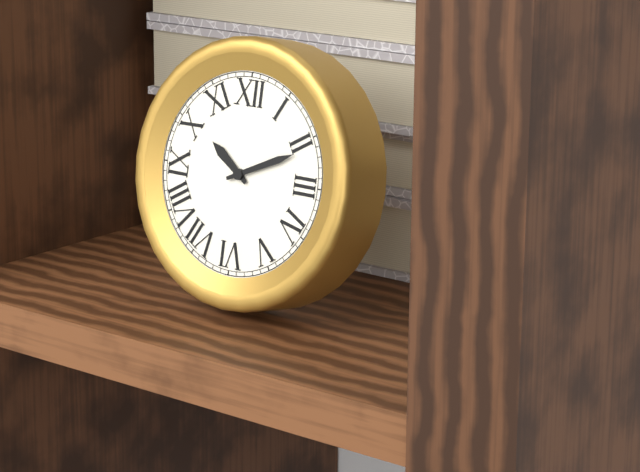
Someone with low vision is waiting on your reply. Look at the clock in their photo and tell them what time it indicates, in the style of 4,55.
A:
10,11
